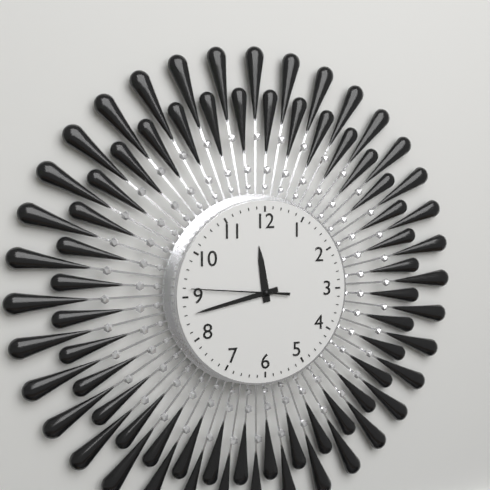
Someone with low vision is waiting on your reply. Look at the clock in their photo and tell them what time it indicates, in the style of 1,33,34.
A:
11,43,46
